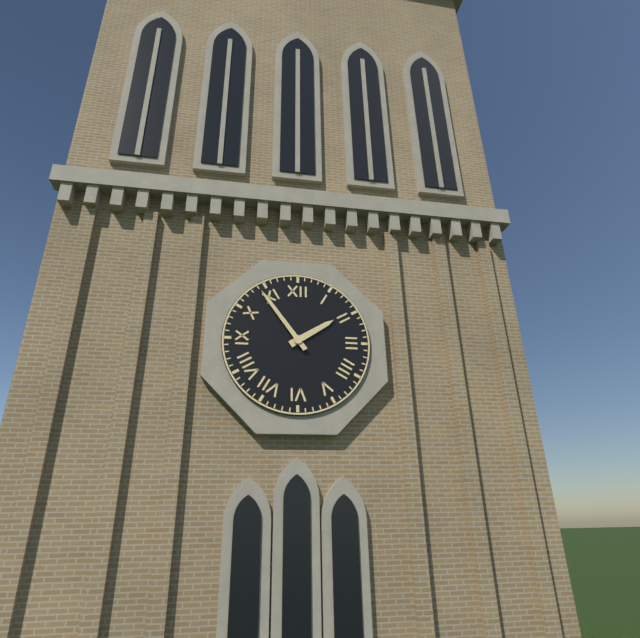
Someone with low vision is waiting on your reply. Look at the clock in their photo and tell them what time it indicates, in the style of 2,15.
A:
1,54
